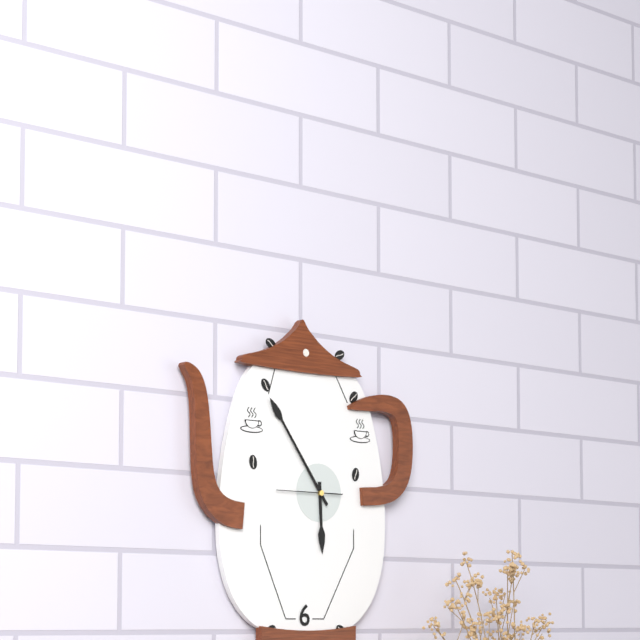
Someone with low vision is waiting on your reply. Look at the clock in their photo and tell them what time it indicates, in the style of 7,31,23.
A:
5,54,45
